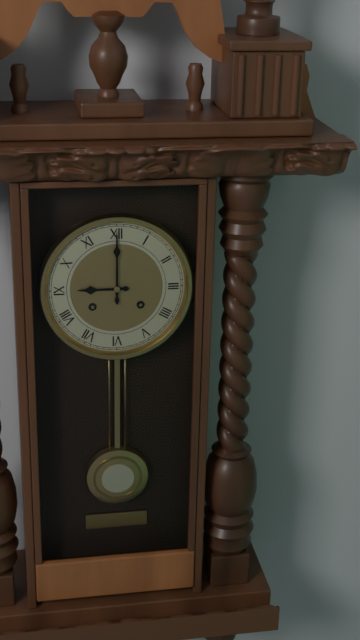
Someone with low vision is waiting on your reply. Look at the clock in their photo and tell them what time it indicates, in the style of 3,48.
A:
9,00
